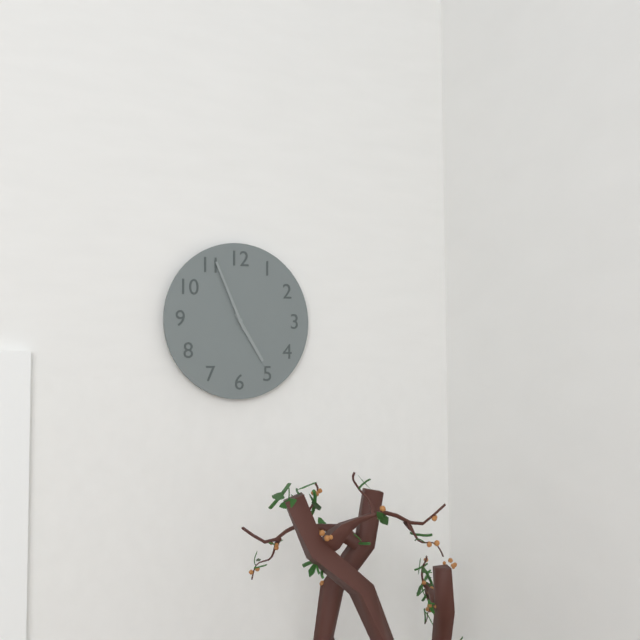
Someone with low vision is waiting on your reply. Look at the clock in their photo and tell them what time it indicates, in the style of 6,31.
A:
4,56
